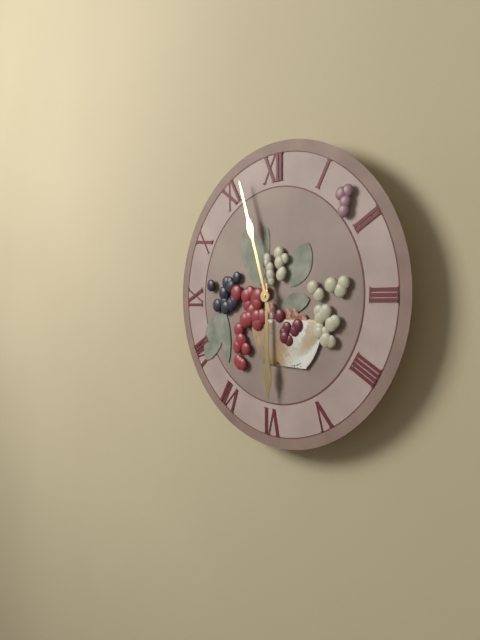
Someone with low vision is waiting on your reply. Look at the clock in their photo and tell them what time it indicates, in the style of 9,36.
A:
5,57
